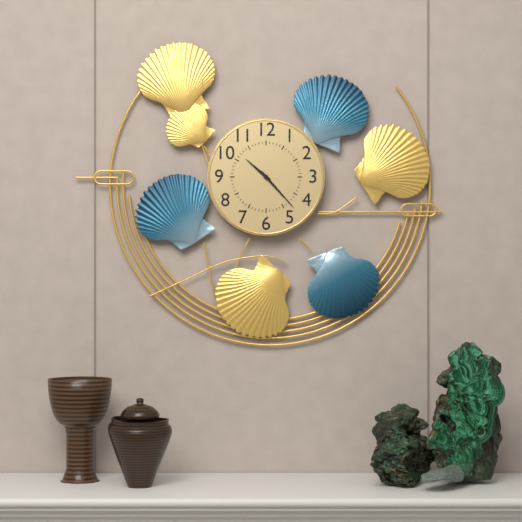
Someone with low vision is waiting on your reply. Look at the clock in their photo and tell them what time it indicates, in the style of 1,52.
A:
10,23
